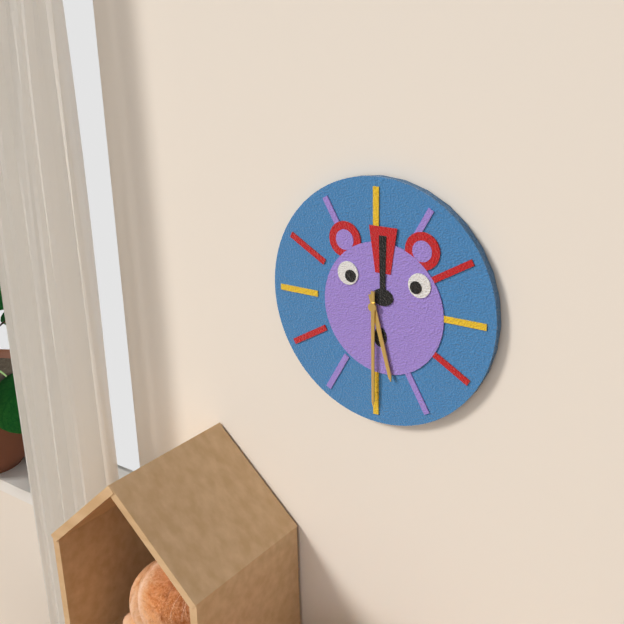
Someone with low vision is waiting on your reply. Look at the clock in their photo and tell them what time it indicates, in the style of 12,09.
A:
5,30
